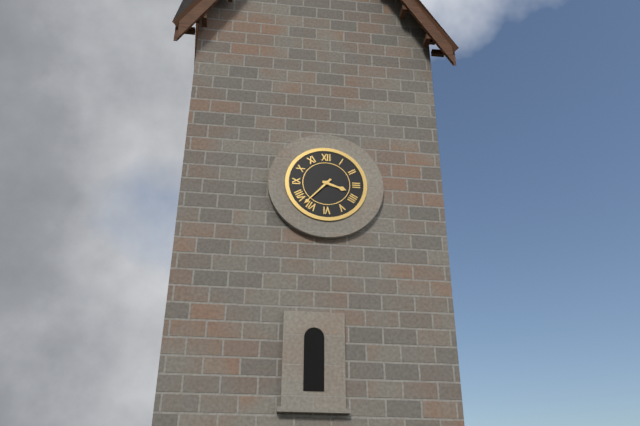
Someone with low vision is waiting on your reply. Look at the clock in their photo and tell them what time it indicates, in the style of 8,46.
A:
3,37
